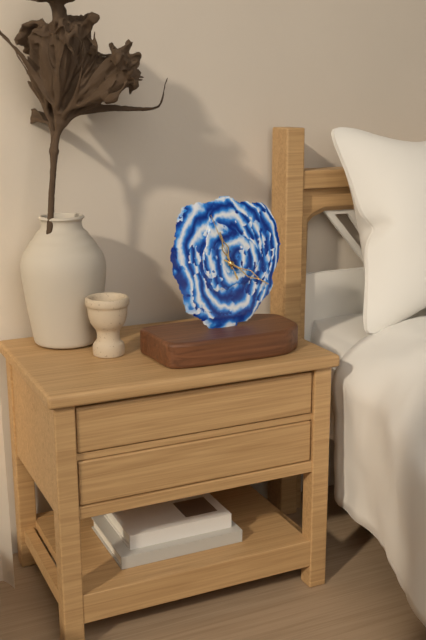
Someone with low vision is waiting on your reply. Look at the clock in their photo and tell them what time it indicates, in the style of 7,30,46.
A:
11,20,56
